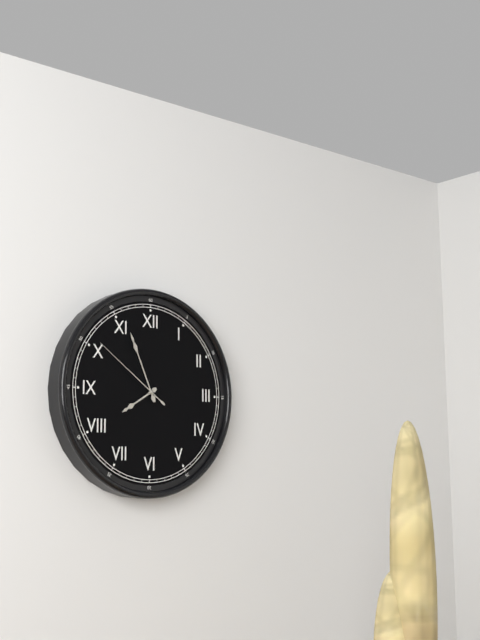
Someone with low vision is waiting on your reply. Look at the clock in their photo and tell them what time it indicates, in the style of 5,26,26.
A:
7,56,51
